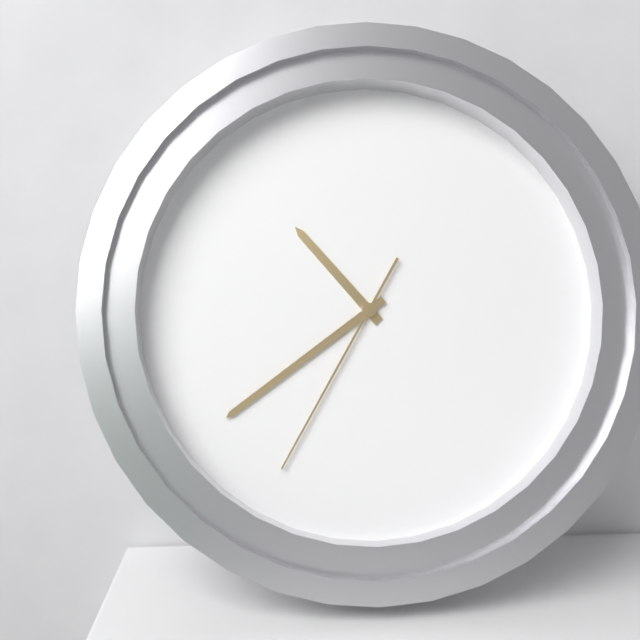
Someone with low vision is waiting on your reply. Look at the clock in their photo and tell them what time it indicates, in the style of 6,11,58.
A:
10,39,35
